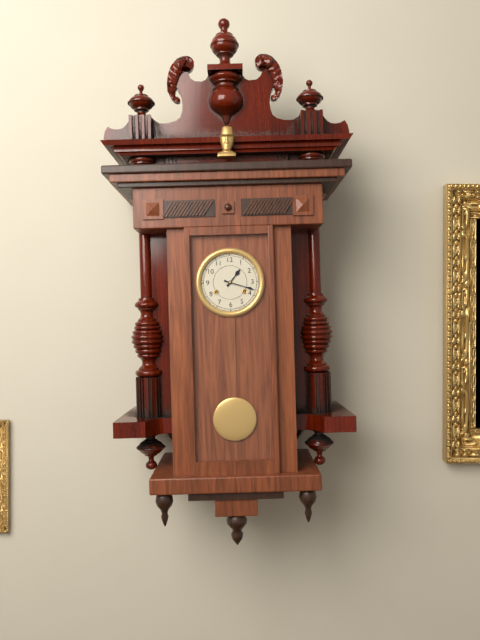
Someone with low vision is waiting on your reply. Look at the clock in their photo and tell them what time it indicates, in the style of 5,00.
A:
1,18
